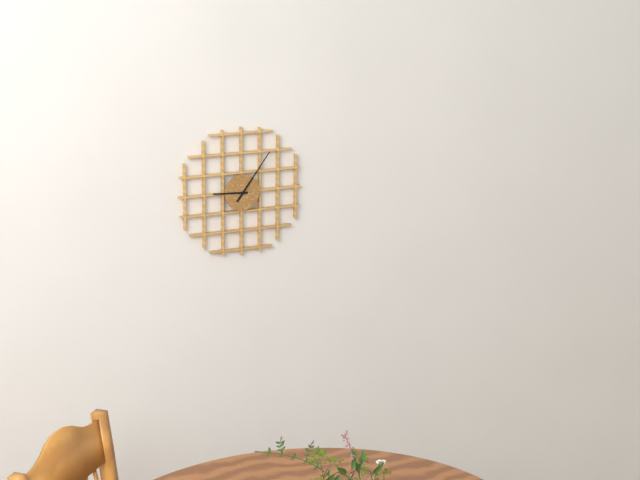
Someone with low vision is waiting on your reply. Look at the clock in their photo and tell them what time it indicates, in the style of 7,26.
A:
9,06
